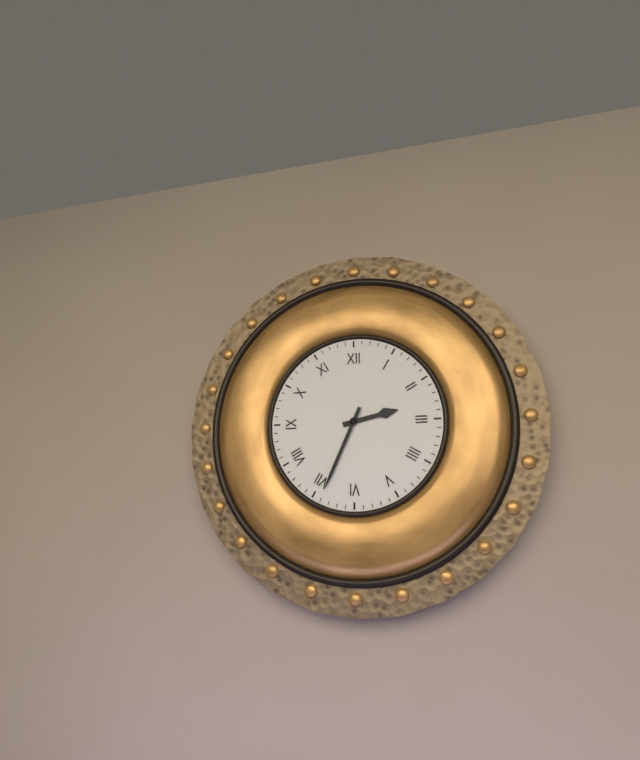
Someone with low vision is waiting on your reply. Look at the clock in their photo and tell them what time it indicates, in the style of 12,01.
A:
2,34
